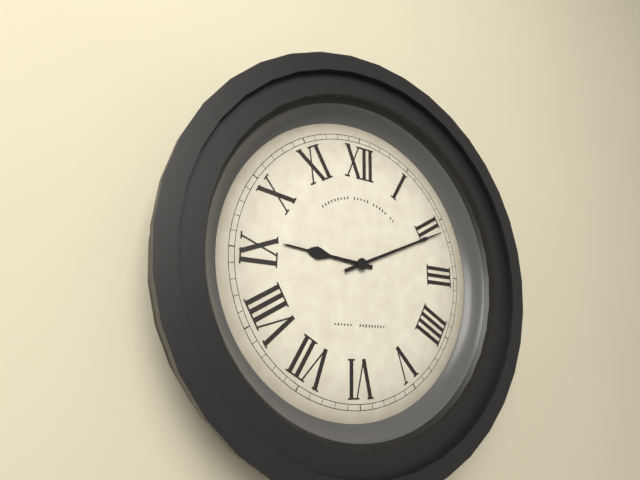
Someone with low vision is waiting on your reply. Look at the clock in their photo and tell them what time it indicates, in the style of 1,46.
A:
9,11
